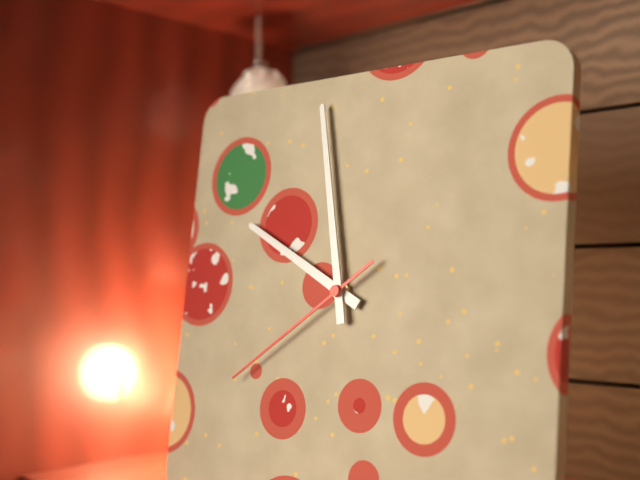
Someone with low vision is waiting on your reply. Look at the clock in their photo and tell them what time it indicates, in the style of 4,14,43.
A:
9,58,39
